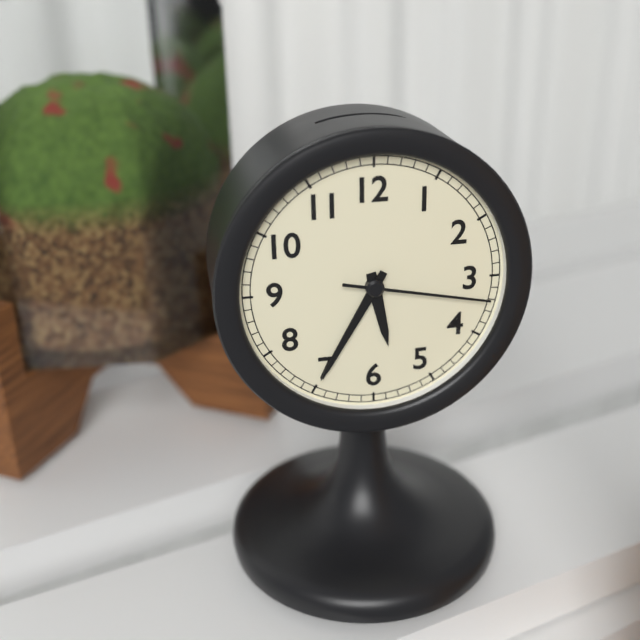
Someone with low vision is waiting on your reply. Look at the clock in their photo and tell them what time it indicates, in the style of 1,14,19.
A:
5,35,17
